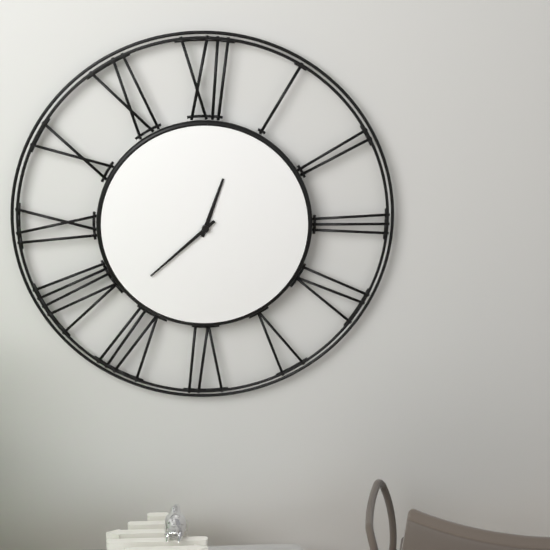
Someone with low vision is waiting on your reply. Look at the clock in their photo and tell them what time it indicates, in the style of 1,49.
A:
12,38
